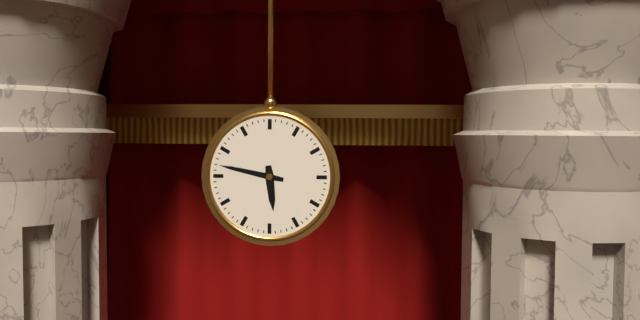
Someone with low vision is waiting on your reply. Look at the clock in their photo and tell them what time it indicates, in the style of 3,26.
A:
5,47
